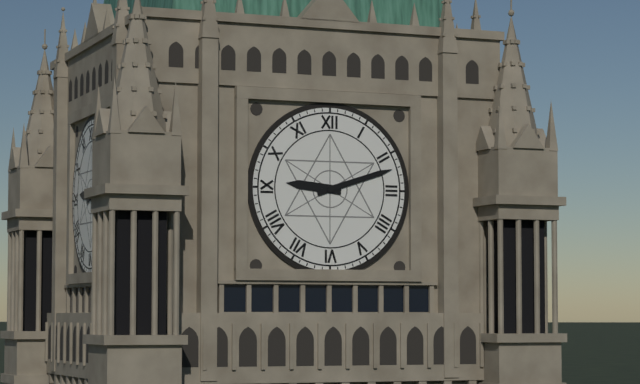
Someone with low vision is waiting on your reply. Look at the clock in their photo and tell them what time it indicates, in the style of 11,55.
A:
9,12
